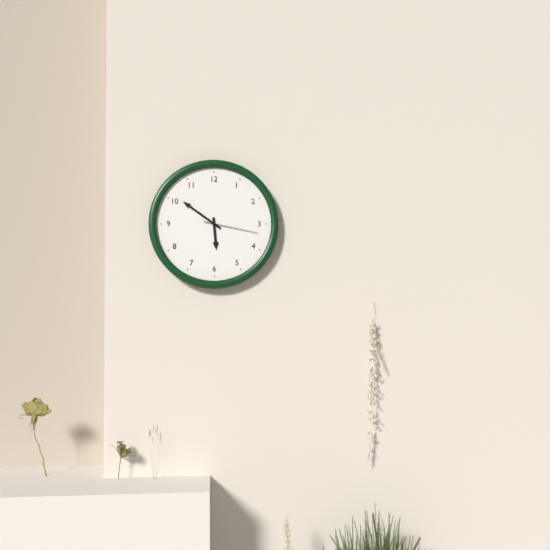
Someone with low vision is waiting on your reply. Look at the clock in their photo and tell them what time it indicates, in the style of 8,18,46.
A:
5,51,17
